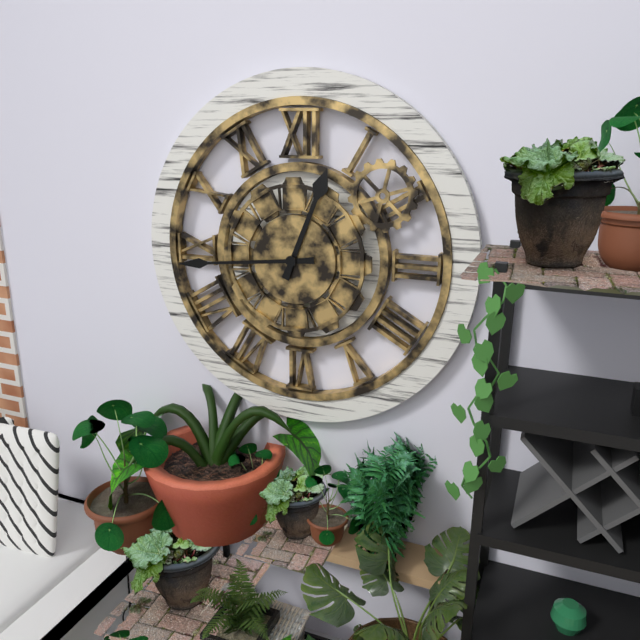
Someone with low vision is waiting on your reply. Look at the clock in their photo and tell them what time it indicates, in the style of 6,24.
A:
12,44
